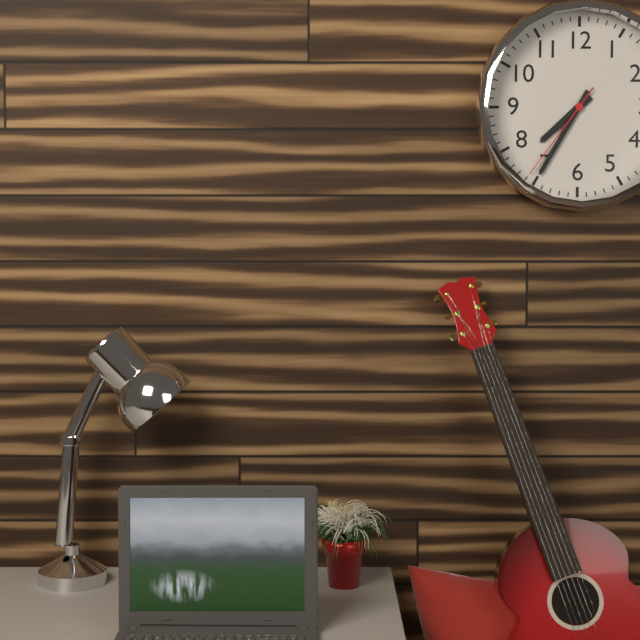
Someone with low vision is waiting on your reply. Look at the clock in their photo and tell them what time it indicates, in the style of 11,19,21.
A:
7,35,36
